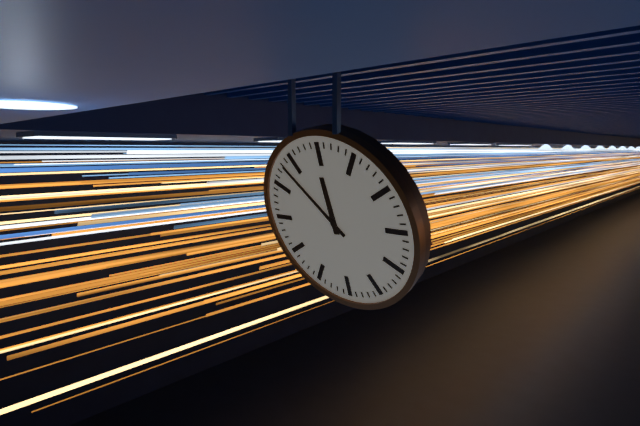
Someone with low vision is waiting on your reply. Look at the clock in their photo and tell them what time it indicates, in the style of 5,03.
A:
11,53
